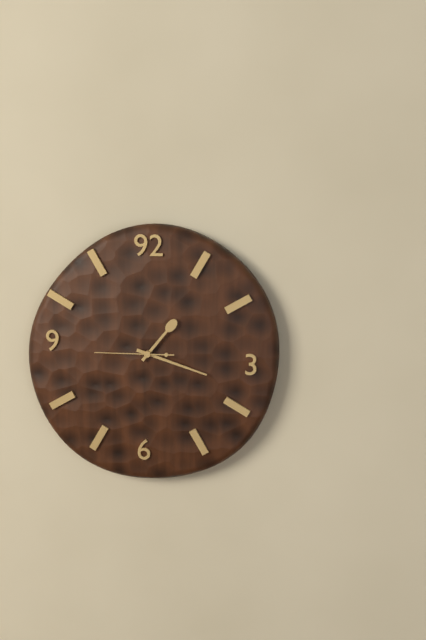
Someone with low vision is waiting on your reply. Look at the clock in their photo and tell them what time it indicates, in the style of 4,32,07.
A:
1,18,45
